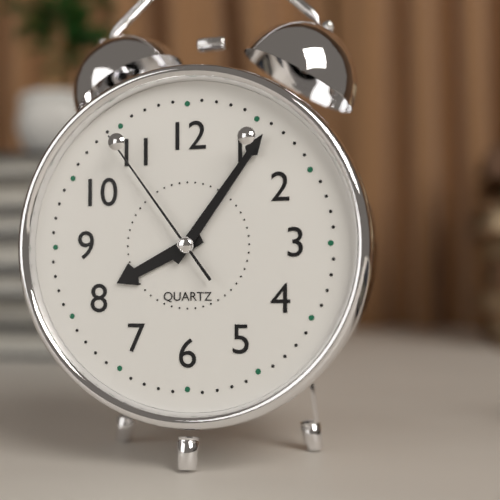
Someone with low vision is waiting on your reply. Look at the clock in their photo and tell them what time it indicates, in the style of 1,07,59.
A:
8,06,54
